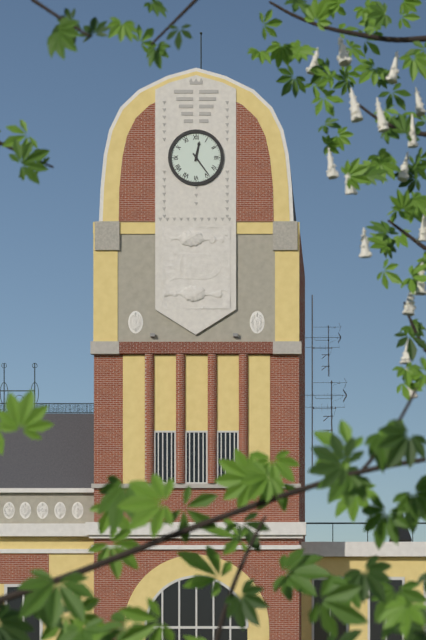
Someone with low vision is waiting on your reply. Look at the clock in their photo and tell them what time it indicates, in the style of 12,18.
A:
12,24
